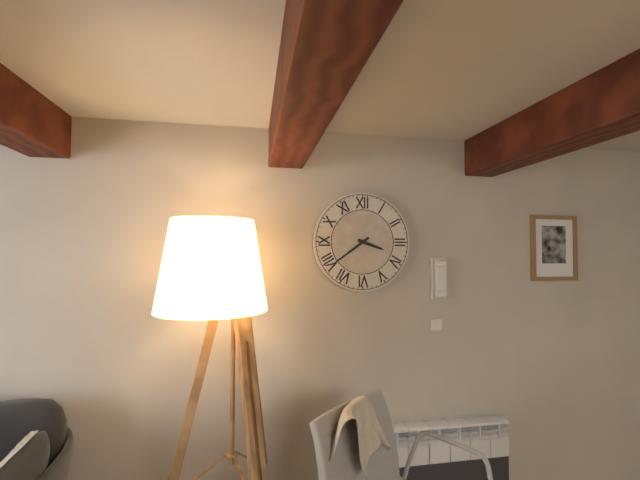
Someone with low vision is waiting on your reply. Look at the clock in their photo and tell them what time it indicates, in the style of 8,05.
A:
3,39
